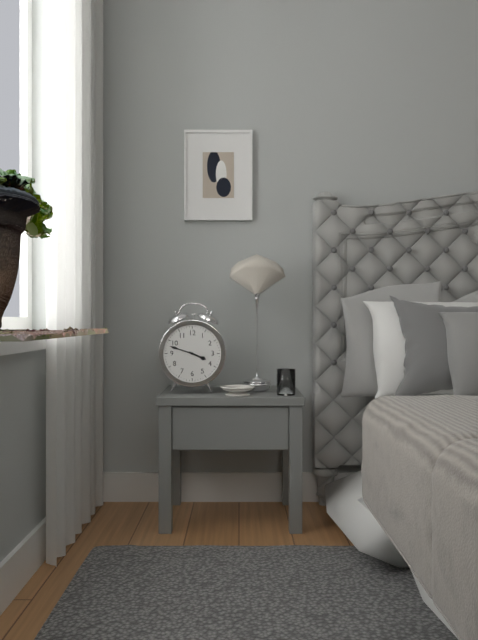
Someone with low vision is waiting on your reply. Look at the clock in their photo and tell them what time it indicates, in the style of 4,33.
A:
3,48
